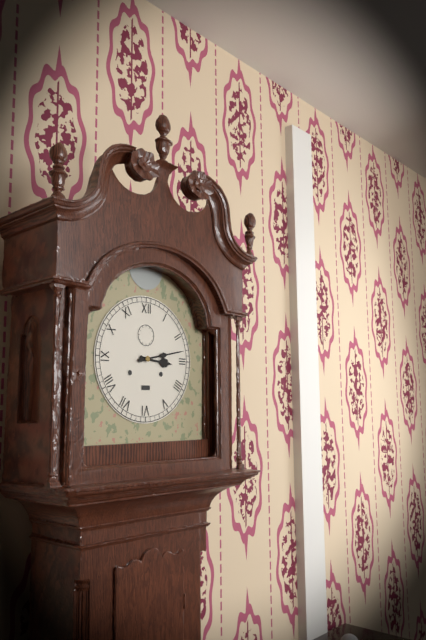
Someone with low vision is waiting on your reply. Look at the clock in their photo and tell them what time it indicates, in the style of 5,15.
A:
3,13
